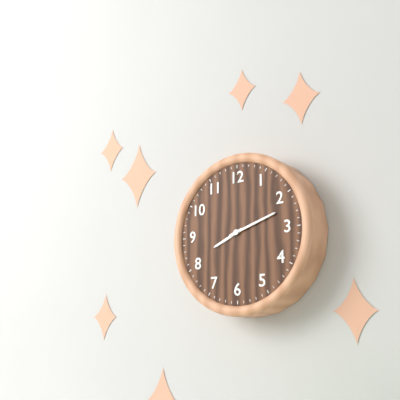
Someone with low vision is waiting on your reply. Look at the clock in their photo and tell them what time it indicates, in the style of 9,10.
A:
8,12
